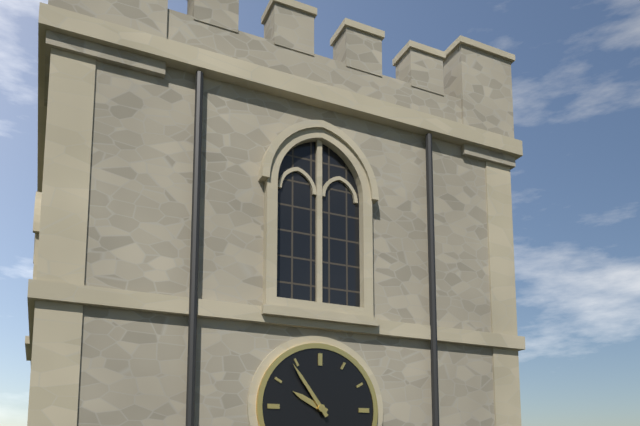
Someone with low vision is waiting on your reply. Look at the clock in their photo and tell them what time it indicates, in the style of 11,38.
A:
9,54
